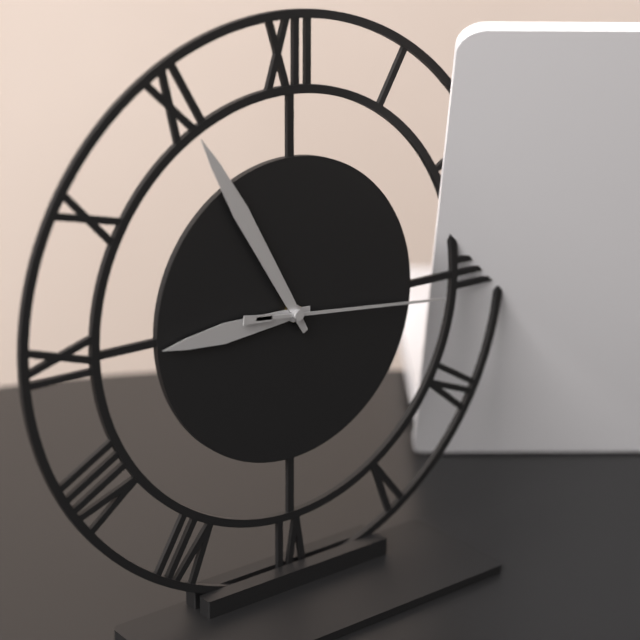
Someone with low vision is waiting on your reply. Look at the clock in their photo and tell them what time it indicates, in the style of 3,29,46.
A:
8,55,16
